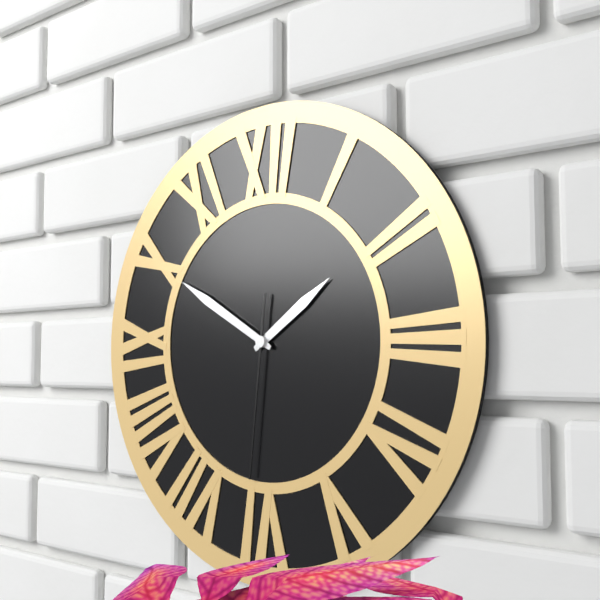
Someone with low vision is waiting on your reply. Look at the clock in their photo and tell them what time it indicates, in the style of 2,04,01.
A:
1,50,31
